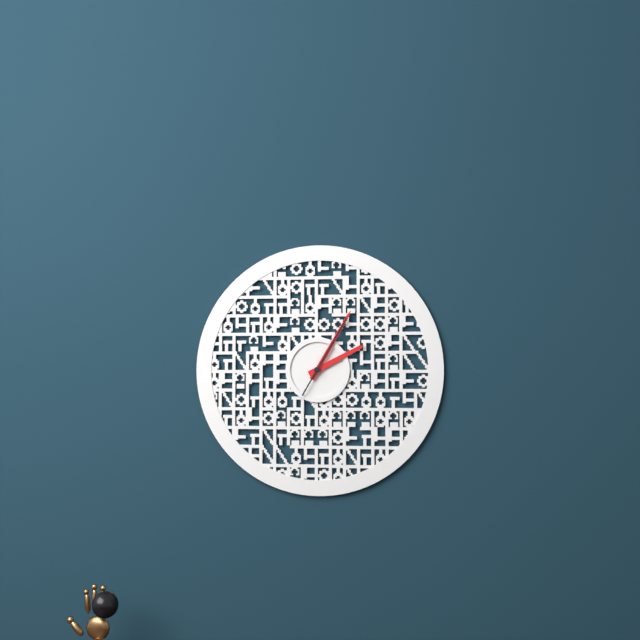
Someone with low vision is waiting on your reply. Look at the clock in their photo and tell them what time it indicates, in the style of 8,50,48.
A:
2,05,05
